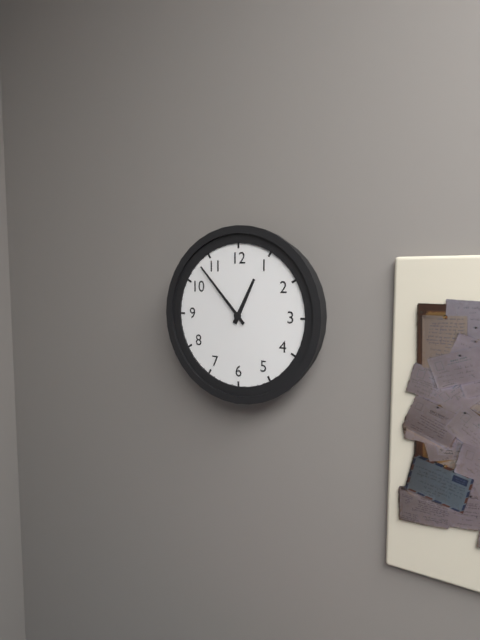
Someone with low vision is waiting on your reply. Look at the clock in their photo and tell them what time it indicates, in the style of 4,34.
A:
12,53
